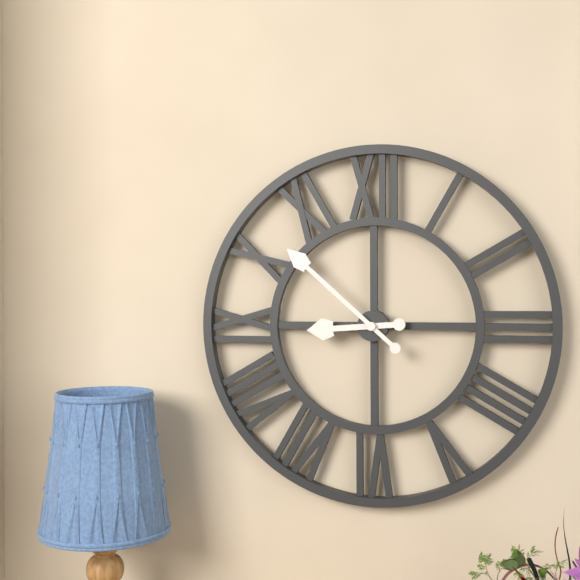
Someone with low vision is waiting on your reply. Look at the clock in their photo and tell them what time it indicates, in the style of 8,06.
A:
8,52
